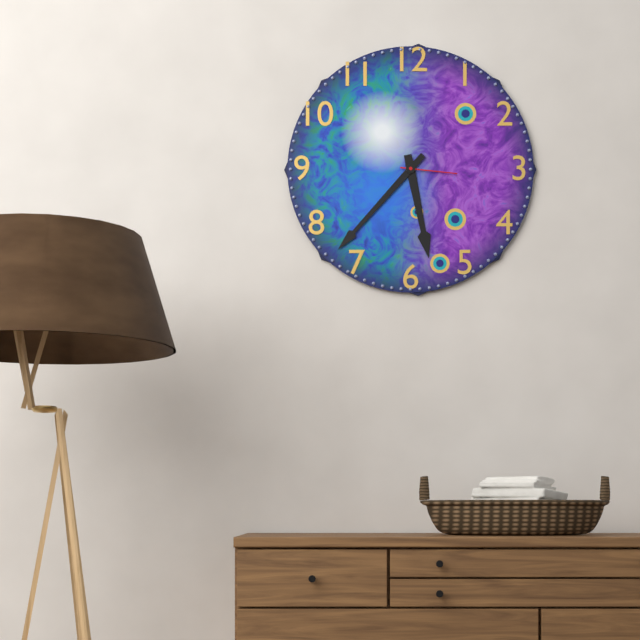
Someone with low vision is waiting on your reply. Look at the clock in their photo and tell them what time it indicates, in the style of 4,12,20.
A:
5,37,16
